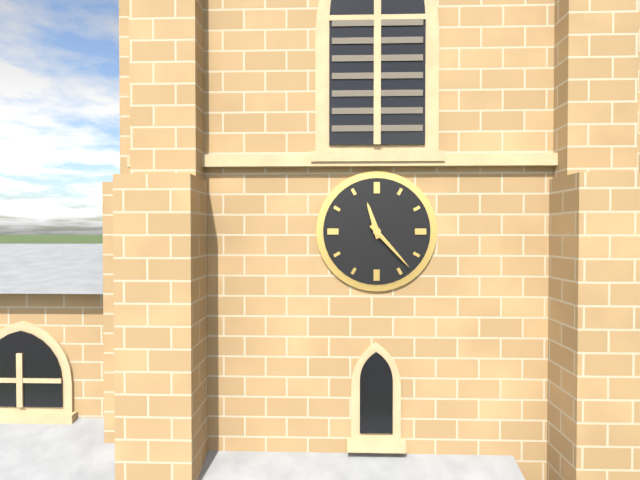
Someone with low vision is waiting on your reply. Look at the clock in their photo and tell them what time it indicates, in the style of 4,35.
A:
11,23
